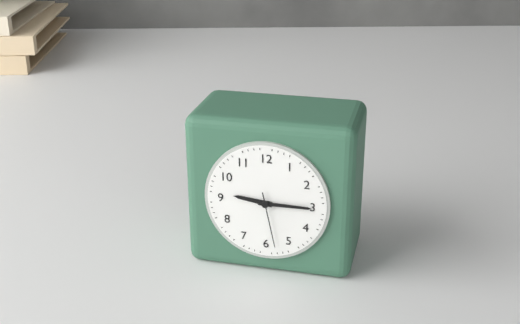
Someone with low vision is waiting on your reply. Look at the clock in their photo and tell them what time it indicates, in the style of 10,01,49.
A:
9,15,28
